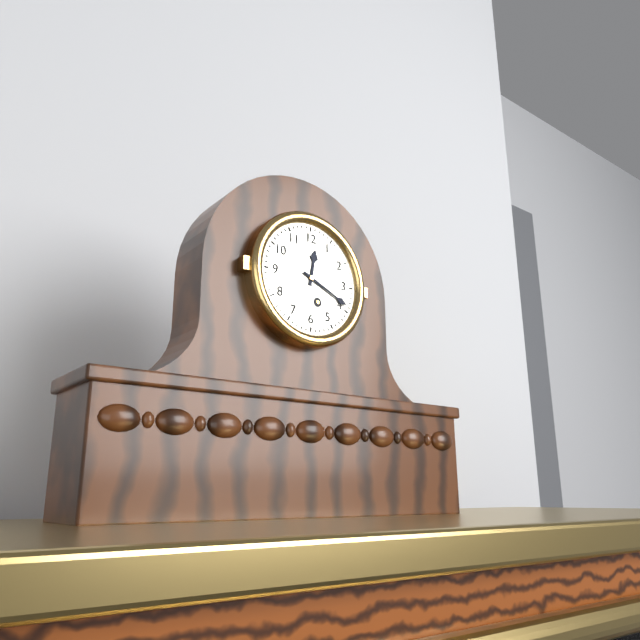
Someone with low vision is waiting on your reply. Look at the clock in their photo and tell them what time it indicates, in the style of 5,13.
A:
12,19
